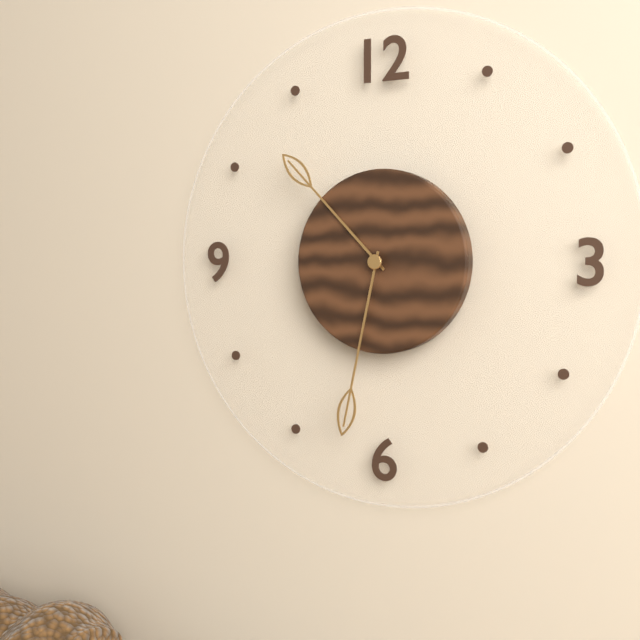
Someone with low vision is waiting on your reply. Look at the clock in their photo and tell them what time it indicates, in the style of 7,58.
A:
10,32
